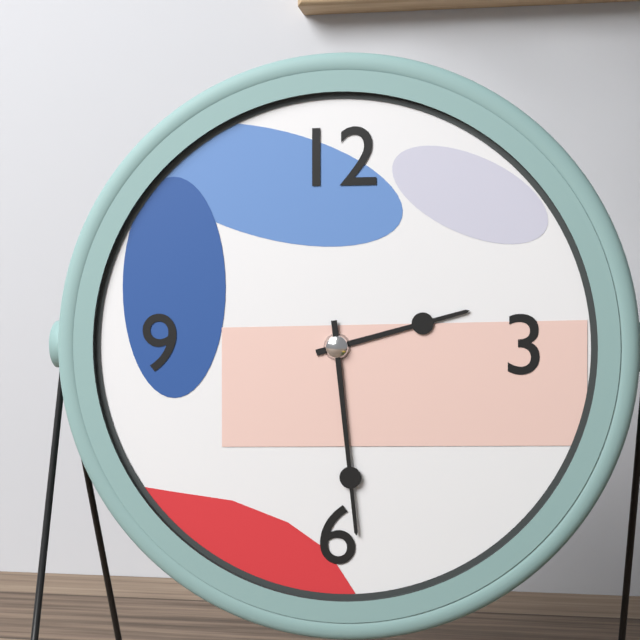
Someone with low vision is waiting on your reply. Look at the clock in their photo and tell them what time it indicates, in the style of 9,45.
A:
2,29
